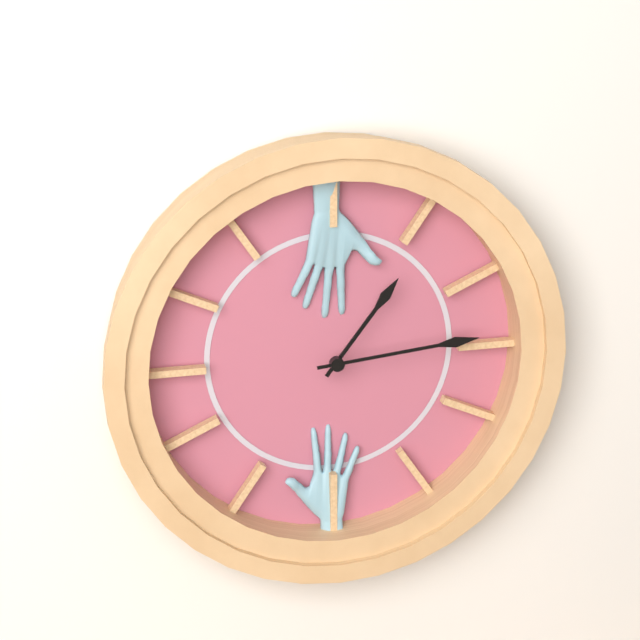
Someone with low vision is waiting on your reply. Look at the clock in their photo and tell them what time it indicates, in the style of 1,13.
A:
1,14
